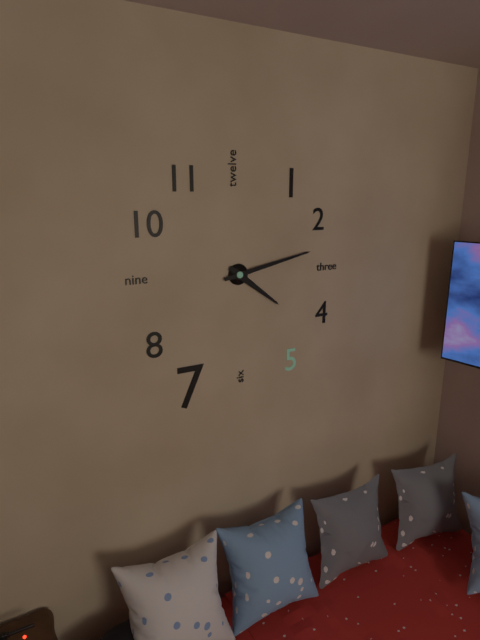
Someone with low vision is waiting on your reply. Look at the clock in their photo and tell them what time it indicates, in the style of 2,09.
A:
4,13
